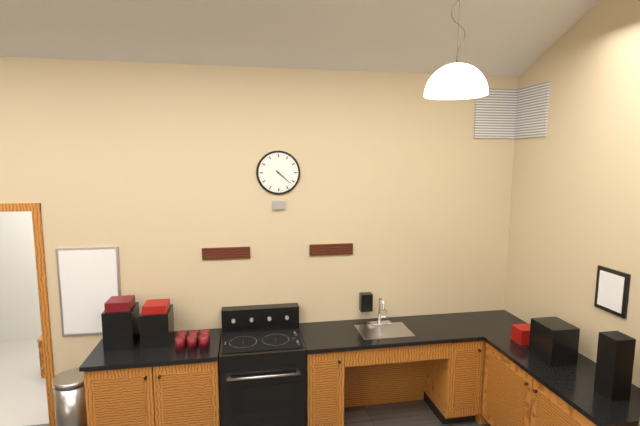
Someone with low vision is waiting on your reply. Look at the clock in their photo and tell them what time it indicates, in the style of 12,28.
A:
4,22
